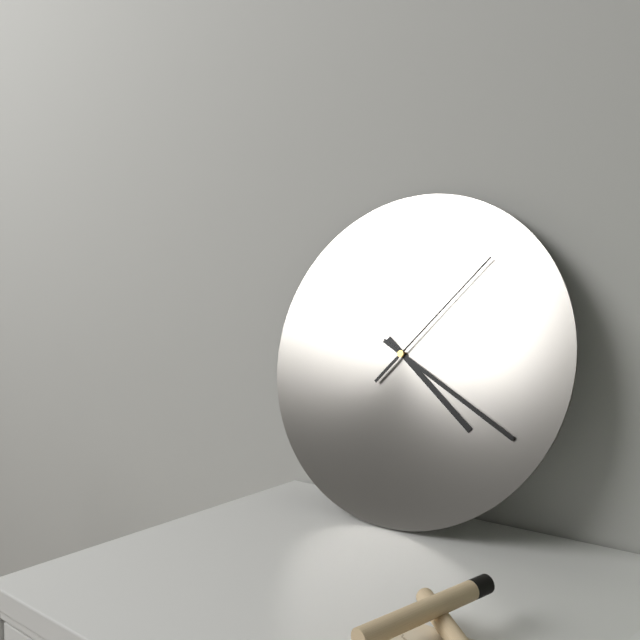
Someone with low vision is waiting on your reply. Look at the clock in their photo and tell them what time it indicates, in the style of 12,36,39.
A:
4,20,07
